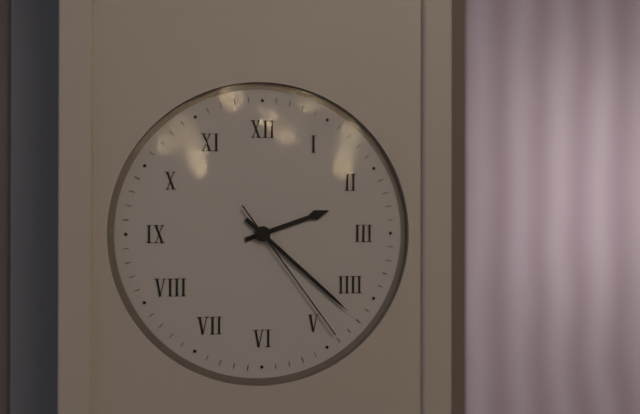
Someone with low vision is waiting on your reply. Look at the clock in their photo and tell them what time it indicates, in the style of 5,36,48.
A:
2,22,24
